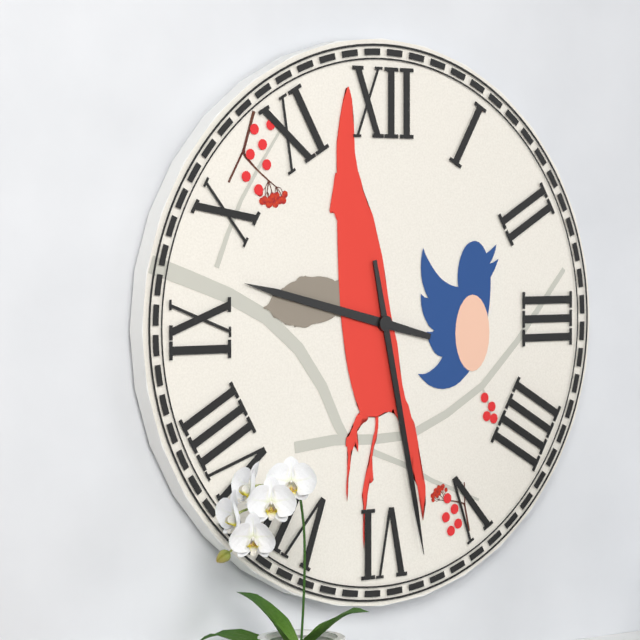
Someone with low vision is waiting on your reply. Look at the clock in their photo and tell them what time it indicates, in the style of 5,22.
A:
9,28
